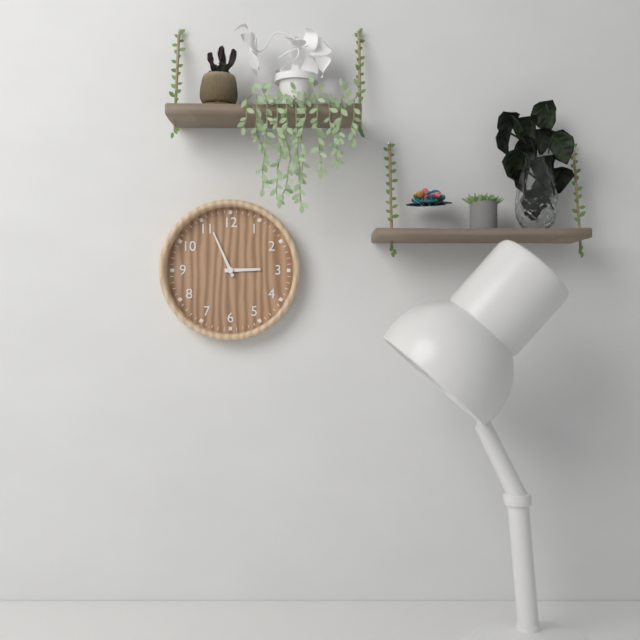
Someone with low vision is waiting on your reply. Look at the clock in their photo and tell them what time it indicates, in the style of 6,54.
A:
2,56
